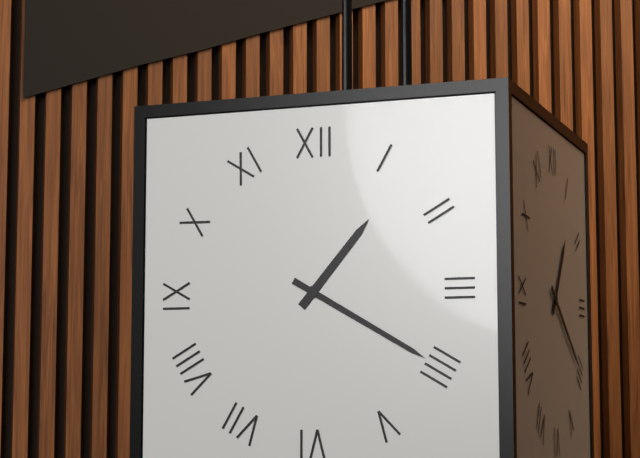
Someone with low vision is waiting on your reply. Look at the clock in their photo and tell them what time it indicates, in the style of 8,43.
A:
1,20
